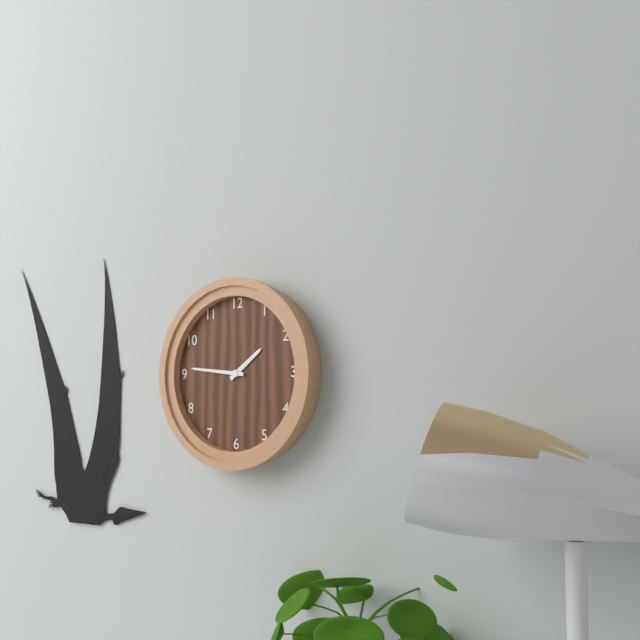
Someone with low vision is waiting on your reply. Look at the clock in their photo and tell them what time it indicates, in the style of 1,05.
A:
1,46
